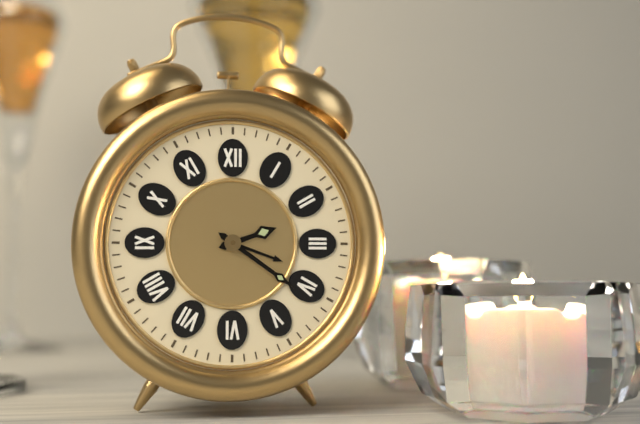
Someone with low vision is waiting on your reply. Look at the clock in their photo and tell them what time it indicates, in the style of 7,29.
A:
2,21
